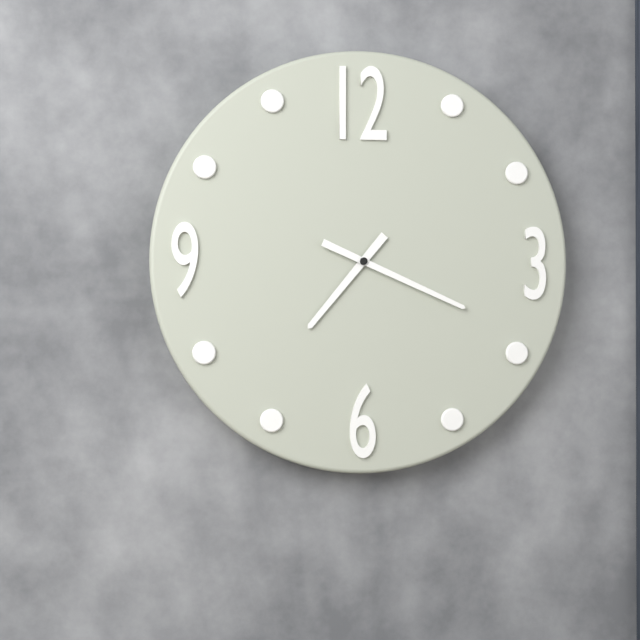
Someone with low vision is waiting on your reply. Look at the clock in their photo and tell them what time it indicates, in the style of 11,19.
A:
7,19
